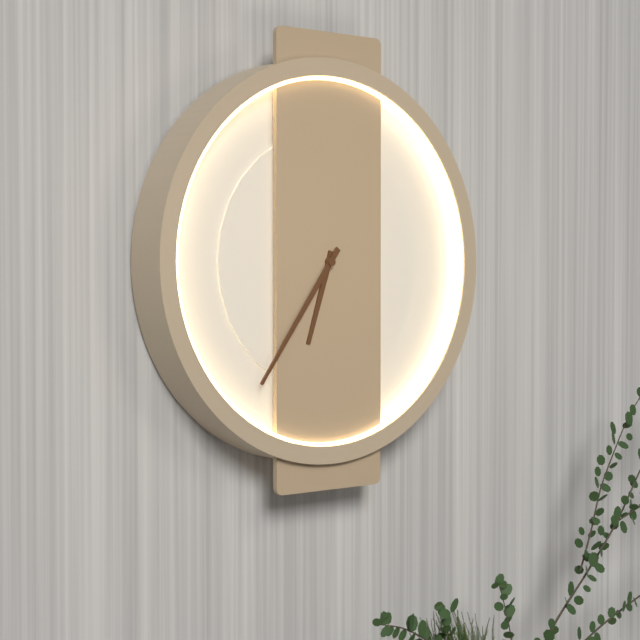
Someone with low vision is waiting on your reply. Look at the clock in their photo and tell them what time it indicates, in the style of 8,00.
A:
6,36
